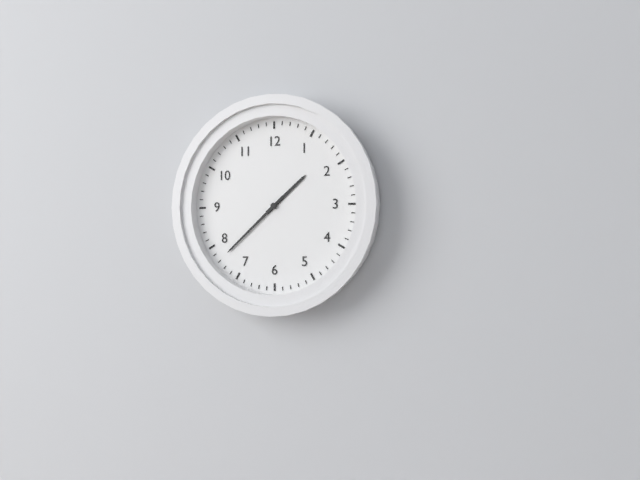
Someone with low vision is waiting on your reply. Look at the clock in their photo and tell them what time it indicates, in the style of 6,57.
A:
1,38
